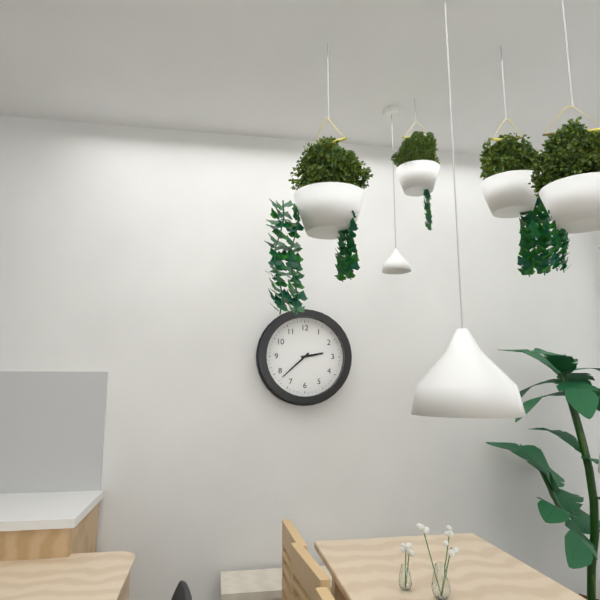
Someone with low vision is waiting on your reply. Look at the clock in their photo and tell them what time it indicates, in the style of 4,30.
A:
2,38
